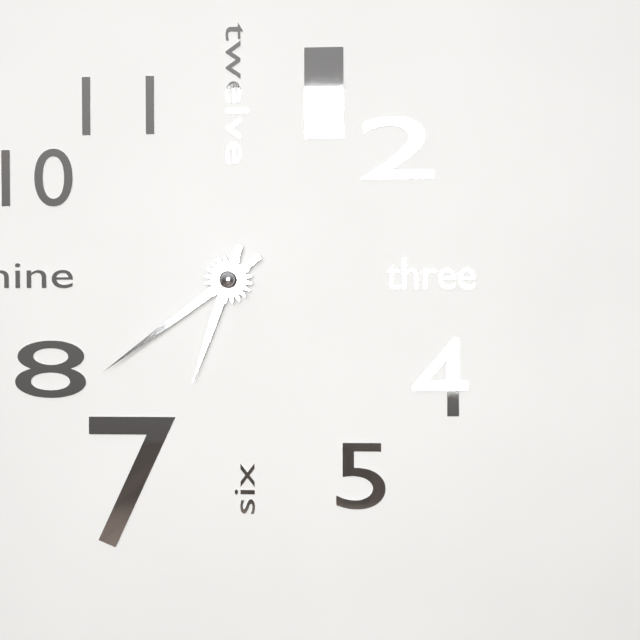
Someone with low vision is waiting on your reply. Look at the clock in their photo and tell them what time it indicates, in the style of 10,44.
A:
6,39
